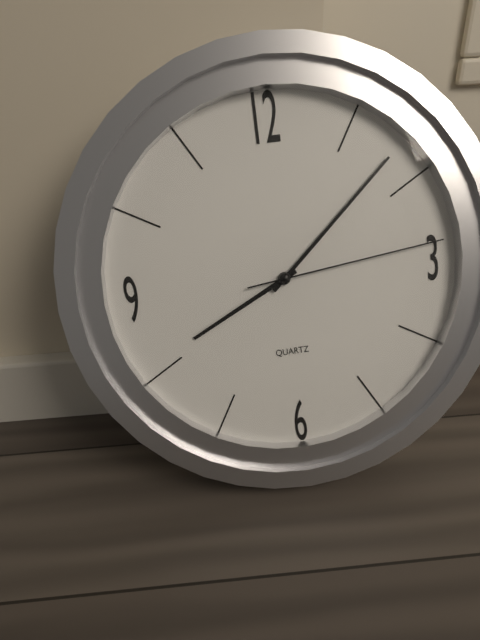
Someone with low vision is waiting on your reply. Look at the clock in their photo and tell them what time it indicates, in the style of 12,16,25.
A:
8,08,14
